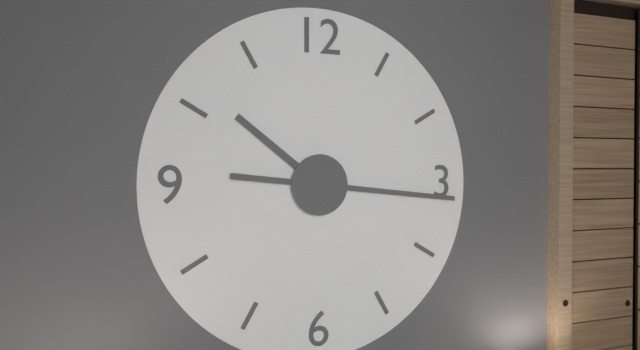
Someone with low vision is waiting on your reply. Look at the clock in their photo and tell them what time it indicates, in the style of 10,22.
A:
10,16
